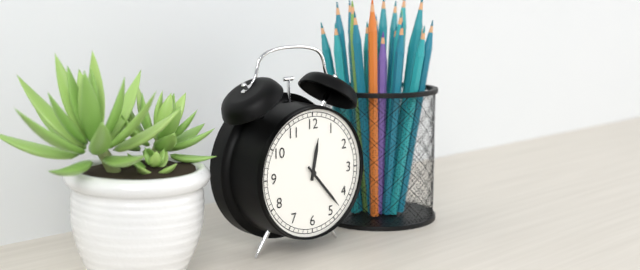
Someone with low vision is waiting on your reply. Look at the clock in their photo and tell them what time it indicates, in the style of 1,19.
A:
12,23
